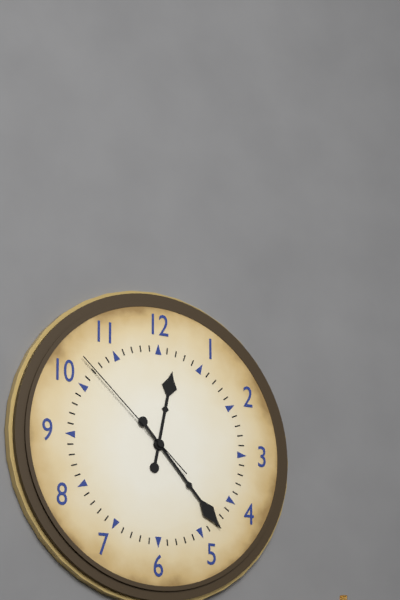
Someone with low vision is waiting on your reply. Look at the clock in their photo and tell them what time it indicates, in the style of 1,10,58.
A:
12,23,52
